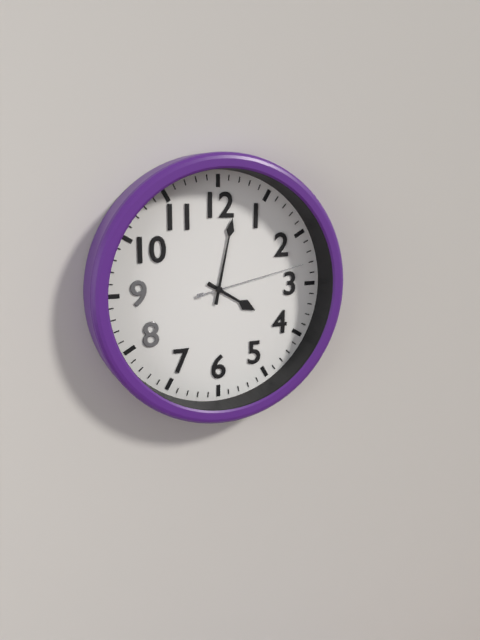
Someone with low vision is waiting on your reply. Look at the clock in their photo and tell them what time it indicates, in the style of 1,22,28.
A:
4,02,13
